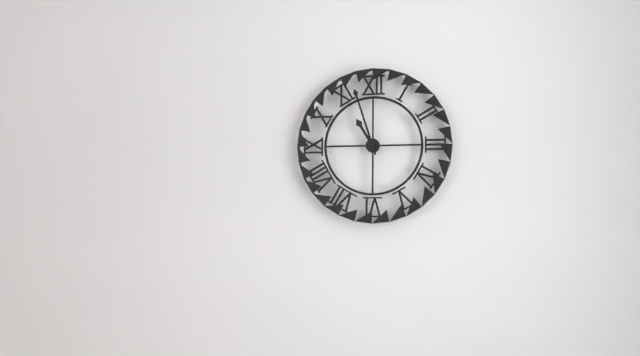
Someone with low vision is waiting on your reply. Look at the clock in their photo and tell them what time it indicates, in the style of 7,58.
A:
10,57
